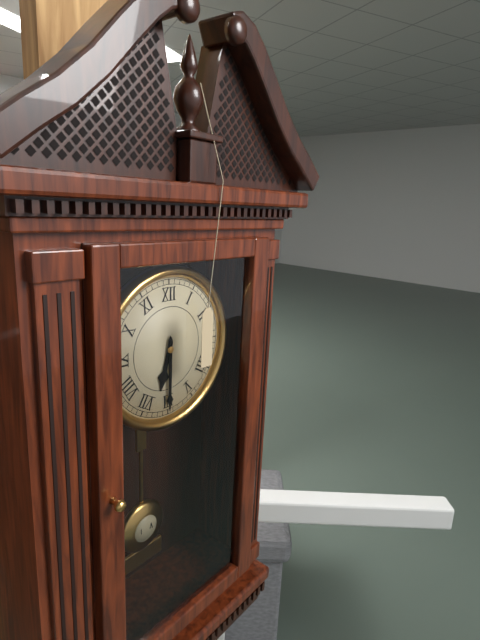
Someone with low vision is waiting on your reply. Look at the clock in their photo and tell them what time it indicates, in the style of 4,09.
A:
6,30
